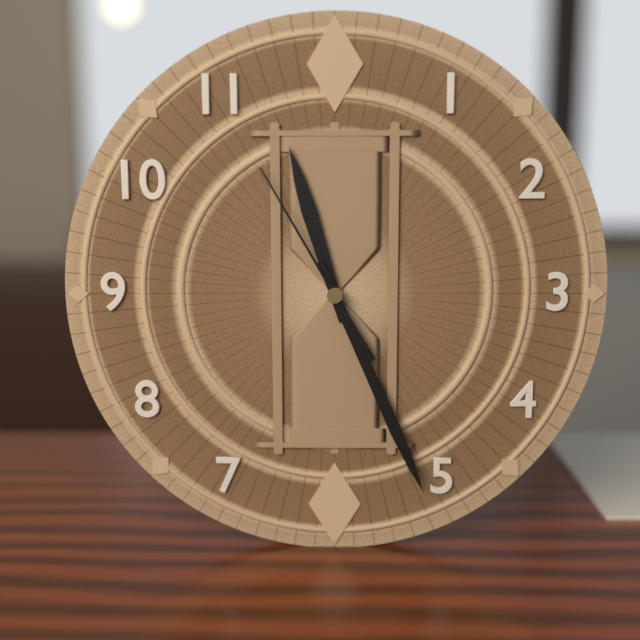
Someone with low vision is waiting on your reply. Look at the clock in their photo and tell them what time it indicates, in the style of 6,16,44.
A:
11,26,55
